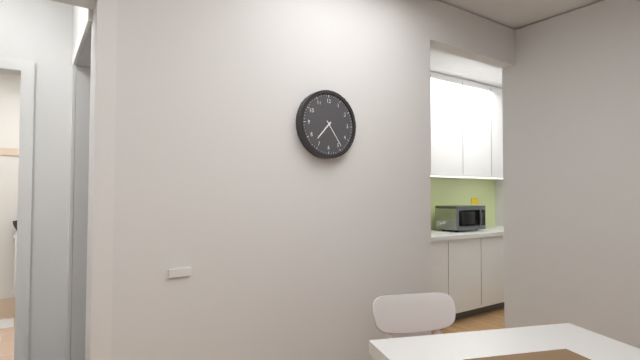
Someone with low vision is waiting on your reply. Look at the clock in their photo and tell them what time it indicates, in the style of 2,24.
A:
7,24
